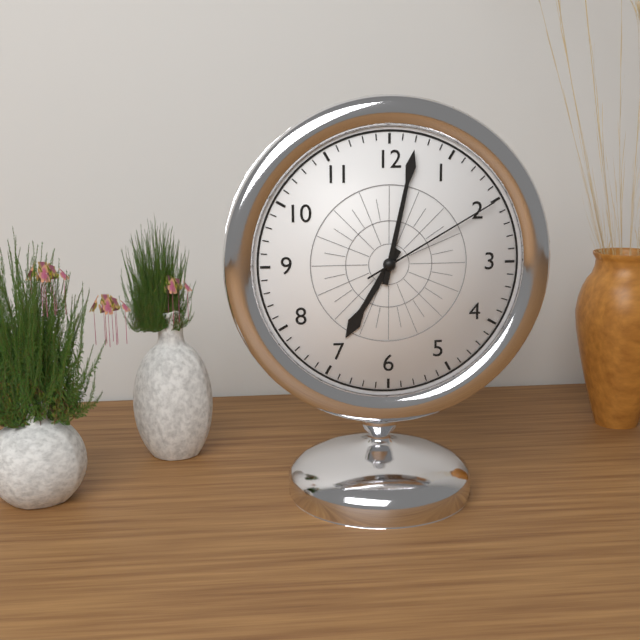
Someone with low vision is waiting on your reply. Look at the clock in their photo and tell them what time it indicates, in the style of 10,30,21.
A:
7,02,10
